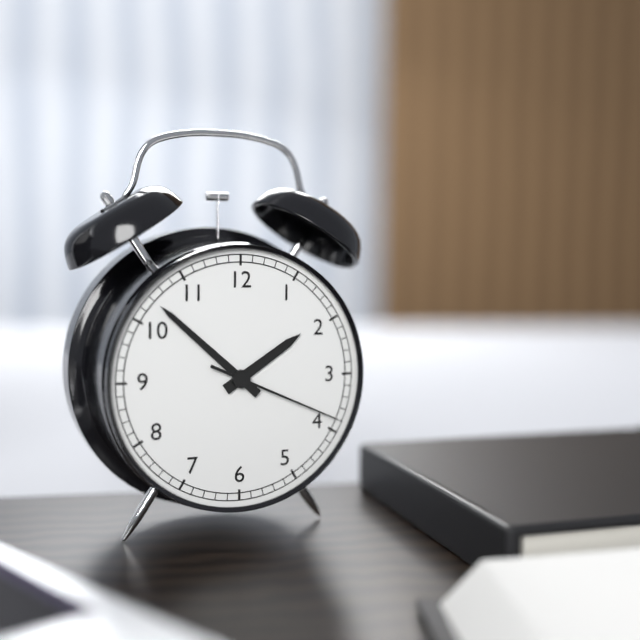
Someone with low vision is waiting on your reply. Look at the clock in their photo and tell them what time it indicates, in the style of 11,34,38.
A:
1,52,19
